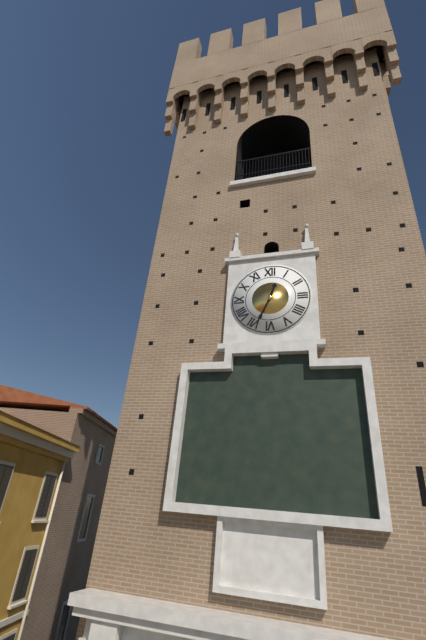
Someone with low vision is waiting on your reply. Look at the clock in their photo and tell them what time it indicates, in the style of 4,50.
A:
12,34
